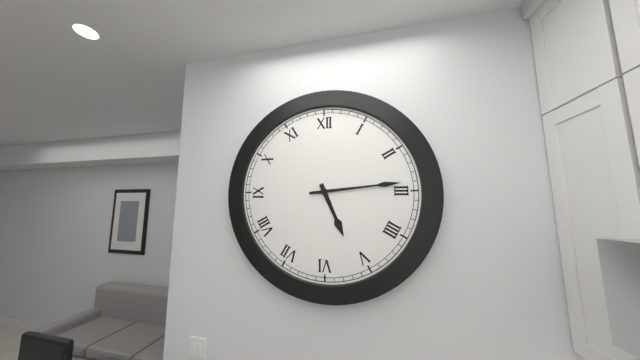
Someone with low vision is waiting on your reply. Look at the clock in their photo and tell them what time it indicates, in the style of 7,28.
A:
5,14
